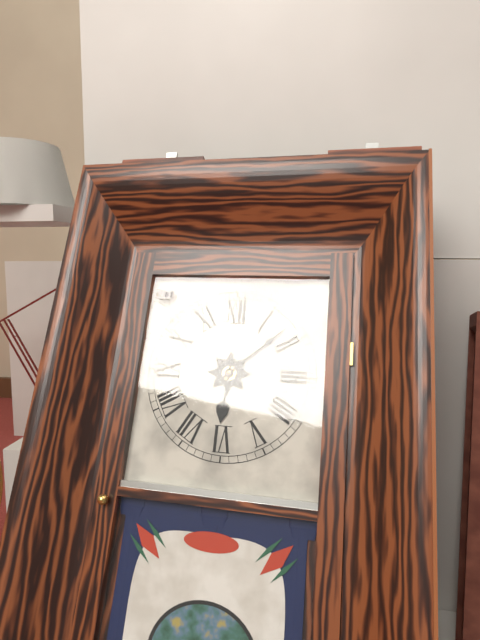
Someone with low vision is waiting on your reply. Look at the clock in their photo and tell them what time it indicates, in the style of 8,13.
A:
6,08
